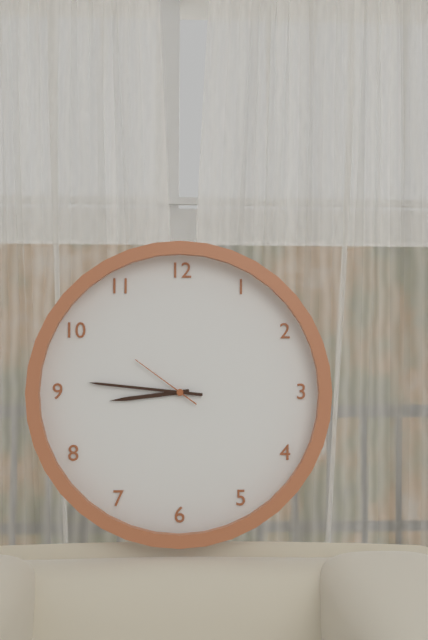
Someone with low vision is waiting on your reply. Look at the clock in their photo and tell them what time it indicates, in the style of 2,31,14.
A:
8,46,51
